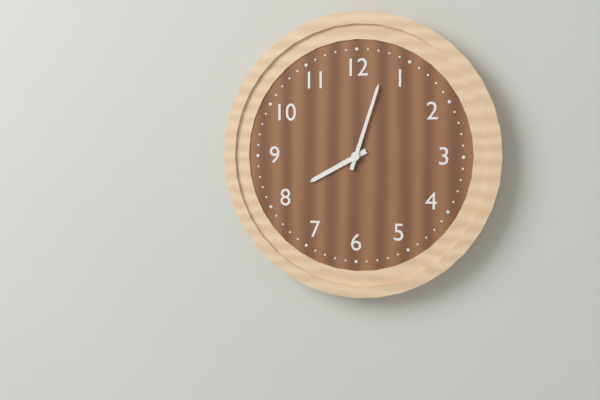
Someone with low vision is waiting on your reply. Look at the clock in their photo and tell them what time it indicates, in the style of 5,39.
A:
8,03
